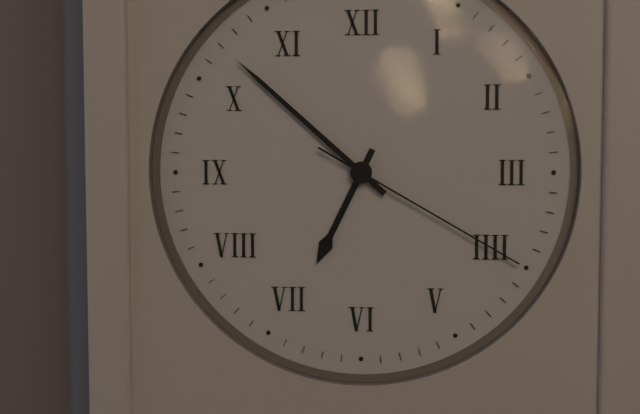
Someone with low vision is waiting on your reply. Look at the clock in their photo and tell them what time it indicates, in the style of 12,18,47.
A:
6,52,20
